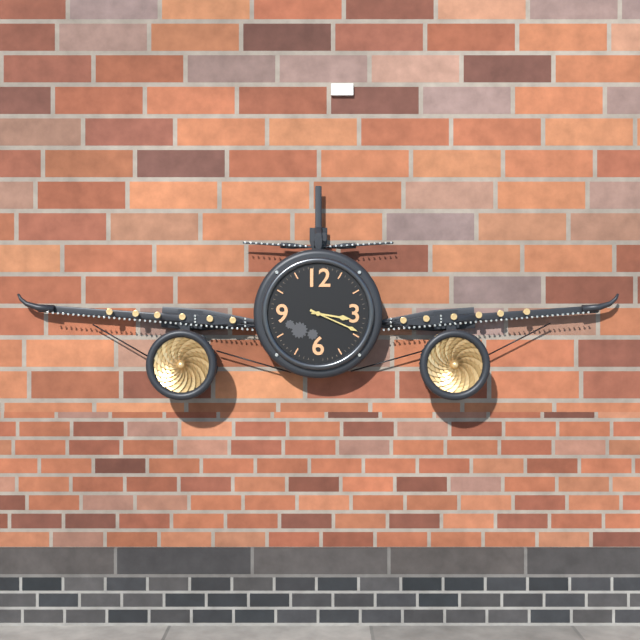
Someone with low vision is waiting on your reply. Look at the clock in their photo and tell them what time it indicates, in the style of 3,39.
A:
3,19
